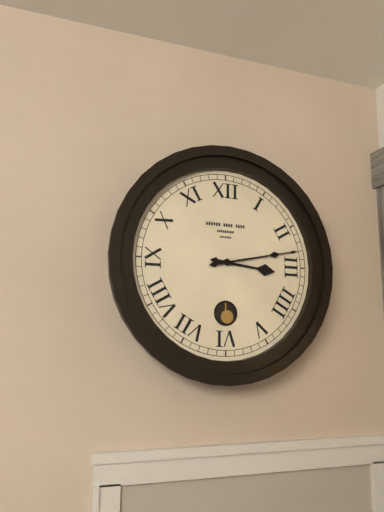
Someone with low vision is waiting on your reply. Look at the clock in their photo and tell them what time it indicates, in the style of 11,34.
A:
3,13
